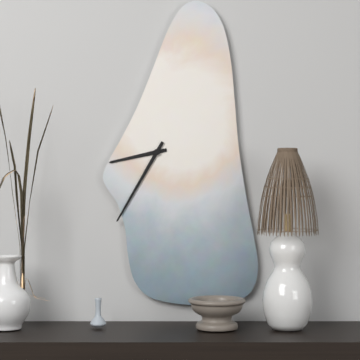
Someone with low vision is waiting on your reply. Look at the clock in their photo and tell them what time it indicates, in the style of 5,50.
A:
8,35
